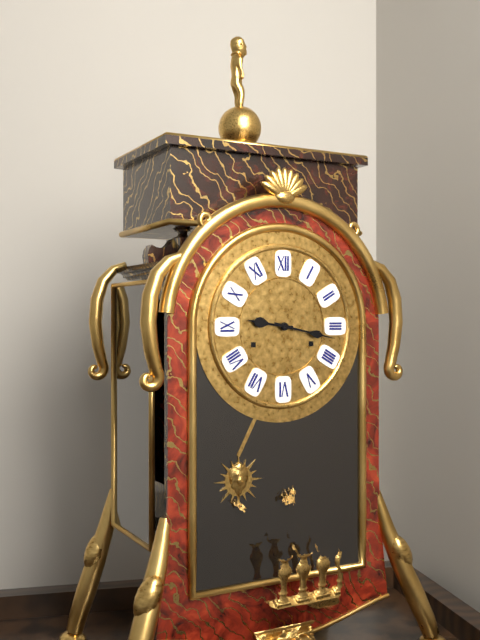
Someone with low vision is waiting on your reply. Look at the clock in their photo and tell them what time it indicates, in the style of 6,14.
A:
9,17
